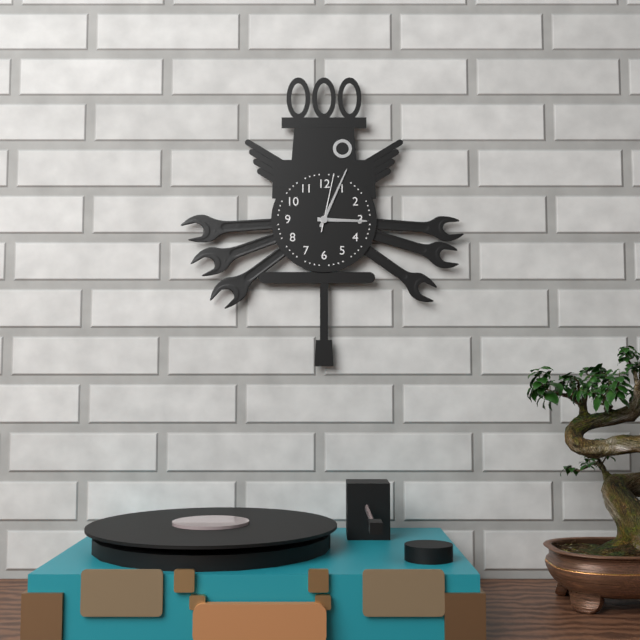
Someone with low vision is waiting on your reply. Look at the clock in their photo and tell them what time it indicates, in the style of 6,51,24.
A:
3,04,02
